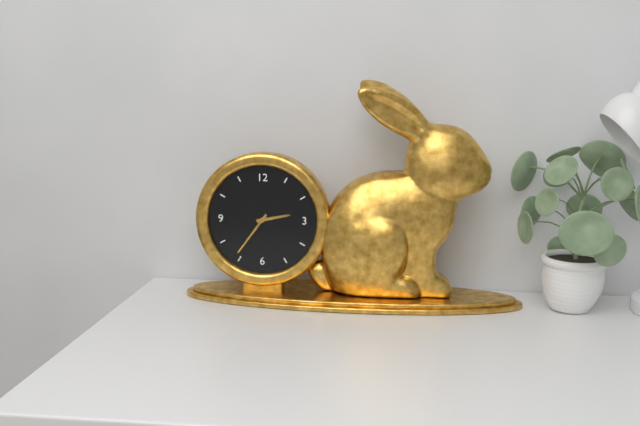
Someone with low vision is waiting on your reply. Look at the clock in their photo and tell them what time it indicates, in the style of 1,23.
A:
2,36
